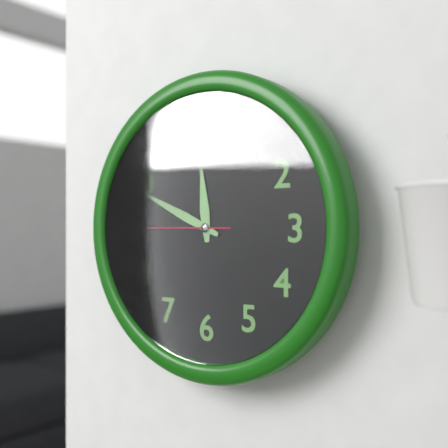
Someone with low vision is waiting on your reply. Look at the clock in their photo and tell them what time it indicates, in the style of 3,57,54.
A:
11,49,45
